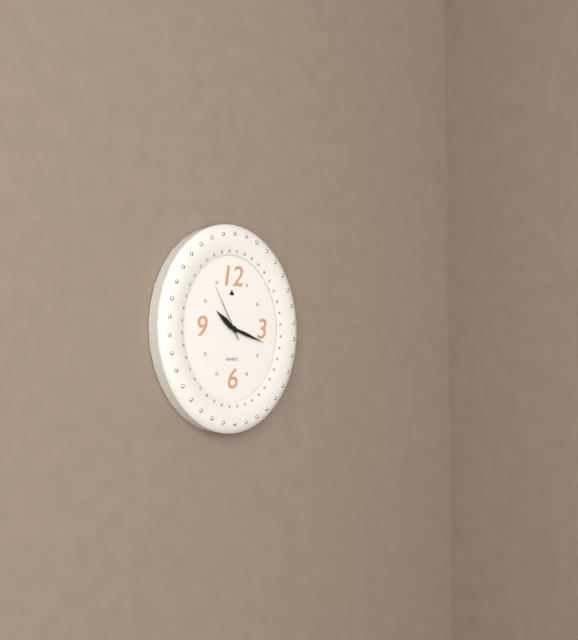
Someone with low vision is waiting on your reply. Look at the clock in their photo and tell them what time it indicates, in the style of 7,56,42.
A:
10,18,55
